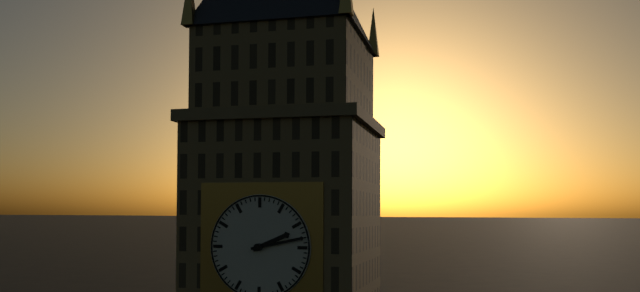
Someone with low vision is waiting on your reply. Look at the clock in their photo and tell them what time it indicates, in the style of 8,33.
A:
2,13
